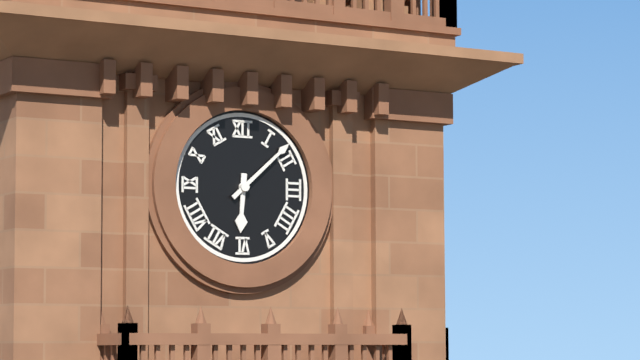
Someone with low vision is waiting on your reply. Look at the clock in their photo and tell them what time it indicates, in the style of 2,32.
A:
6,08
